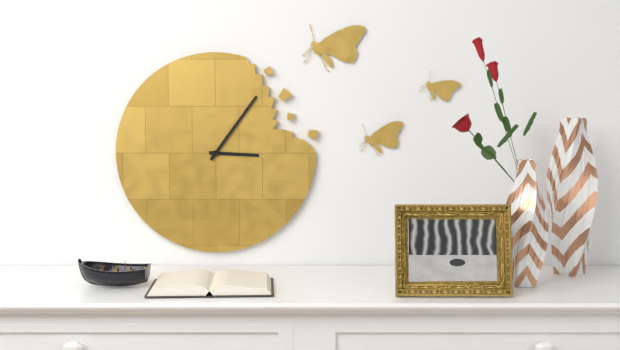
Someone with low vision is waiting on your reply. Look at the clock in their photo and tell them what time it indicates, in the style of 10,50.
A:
3,06
